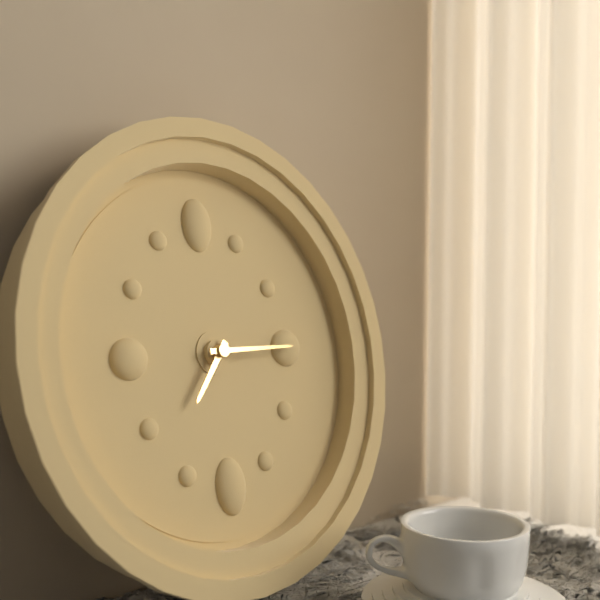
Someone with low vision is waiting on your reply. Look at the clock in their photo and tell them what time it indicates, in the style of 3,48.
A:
7,15
